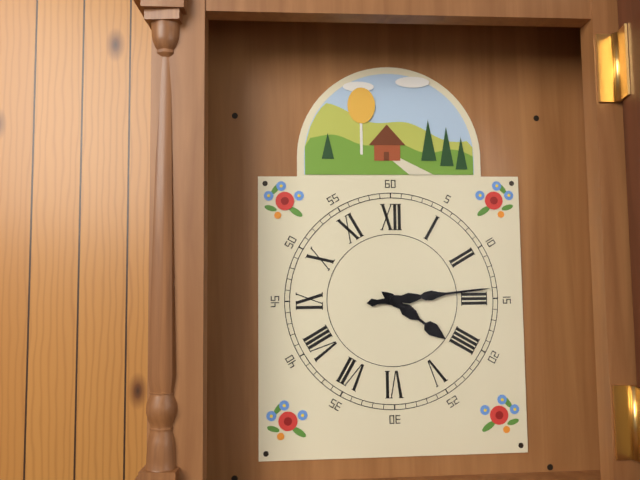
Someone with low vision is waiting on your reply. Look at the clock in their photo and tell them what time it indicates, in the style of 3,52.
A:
4,14
